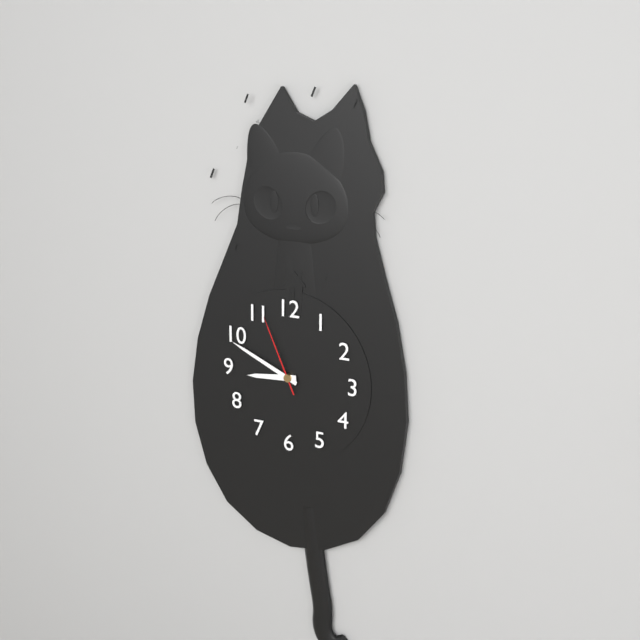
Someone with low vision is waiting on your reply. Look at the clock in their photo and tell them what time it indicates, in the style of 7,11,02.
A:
8,49,56
